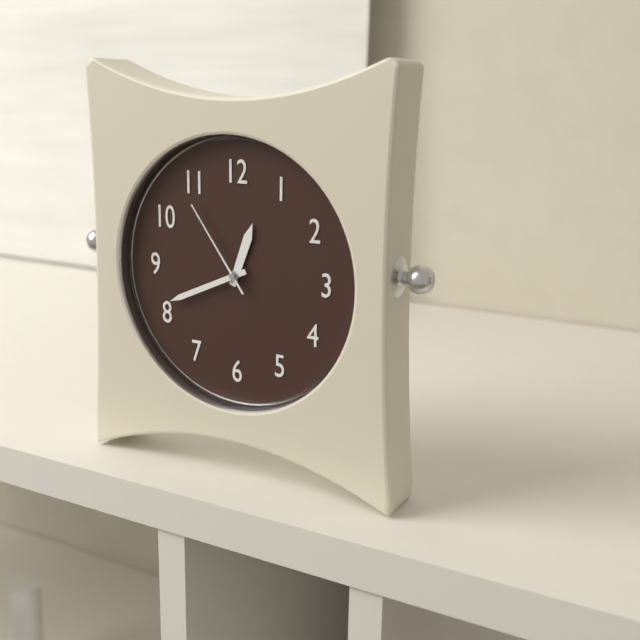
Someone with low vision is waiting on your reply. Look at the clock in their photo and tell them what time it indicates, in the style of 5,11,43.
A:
12,41,54
